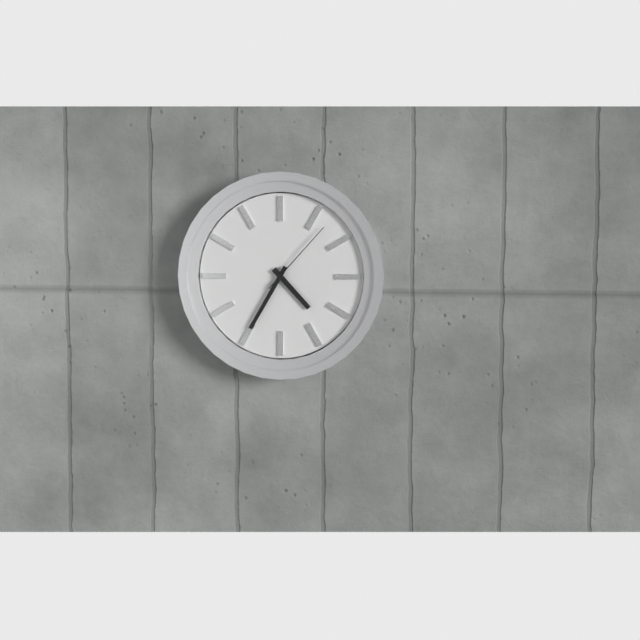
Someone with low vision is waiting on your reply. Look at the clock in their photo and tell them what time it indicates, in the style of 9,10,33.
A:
4,35,07
